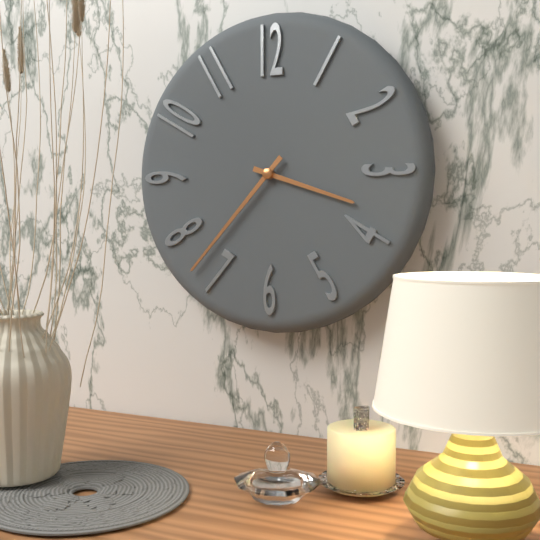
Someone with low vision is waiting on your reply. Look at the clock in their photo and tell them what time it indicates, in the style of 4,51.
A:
3,37
